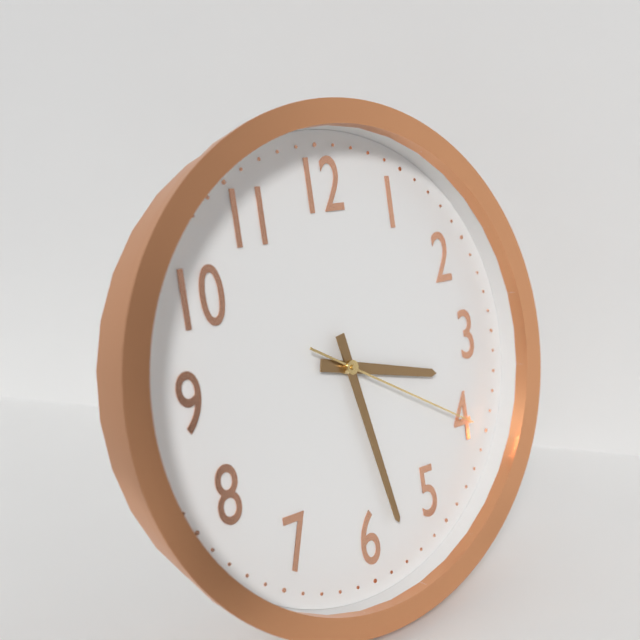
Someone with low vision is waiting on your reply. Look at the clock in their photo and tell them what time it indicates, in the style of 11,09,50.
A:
3,28,20
